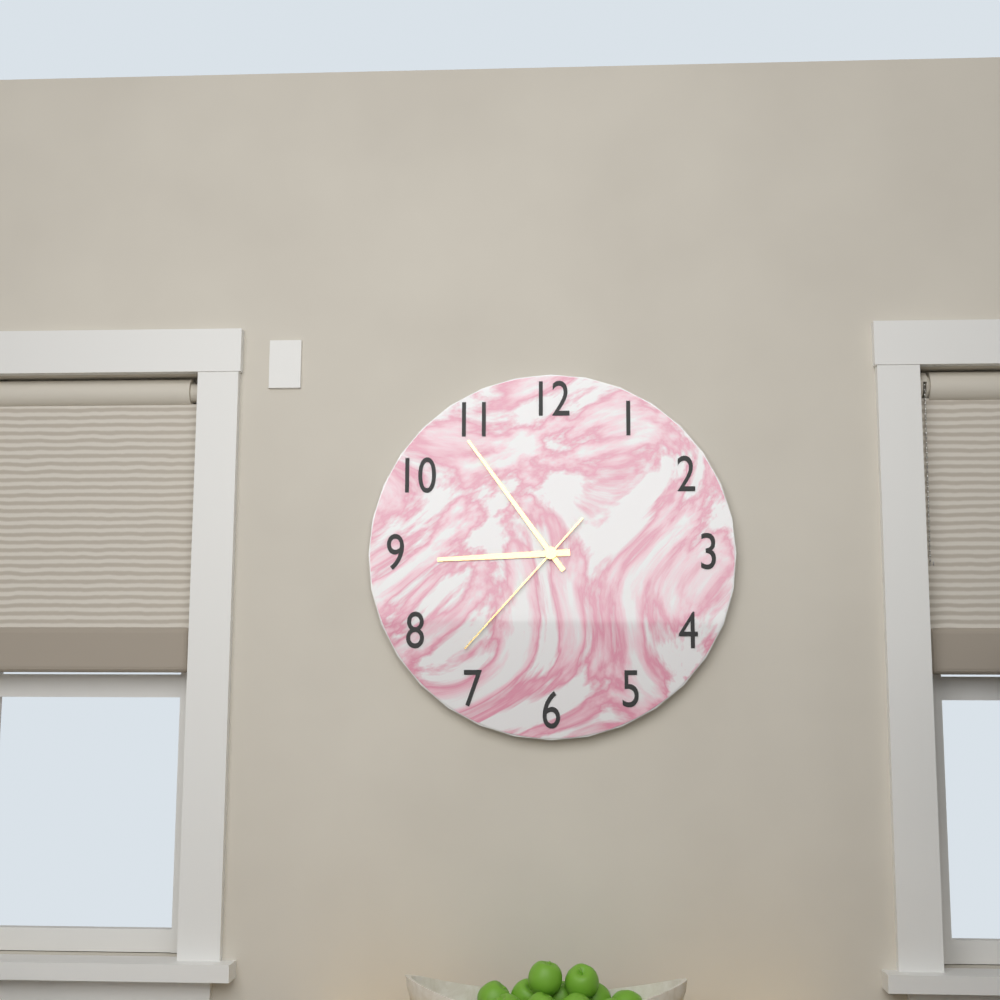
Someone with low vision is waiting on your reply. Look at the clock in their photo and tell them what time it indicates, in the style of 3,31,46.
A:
8,54,37
